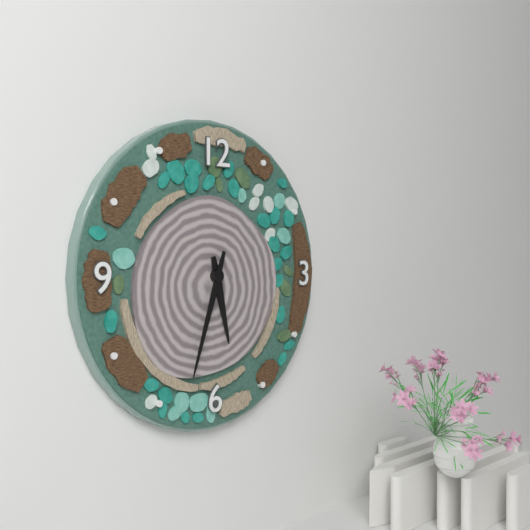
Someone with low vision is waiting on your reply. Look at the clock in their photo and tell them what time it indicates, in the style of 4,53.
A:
5,33
